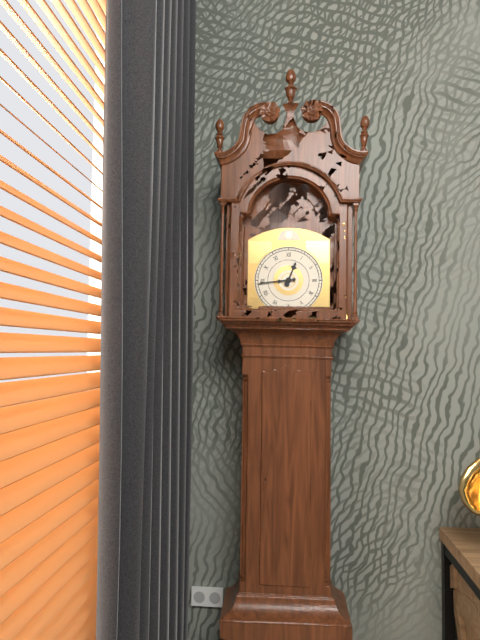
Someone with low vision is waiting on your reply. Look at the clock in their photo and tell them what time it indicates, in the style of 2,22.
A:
12,44
